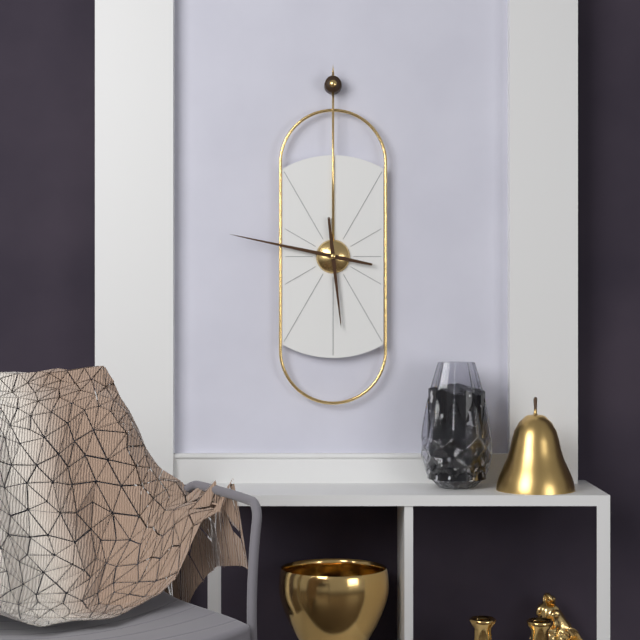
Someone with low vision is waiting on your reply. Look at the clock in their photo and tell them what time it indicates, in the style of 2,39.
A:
5,47
